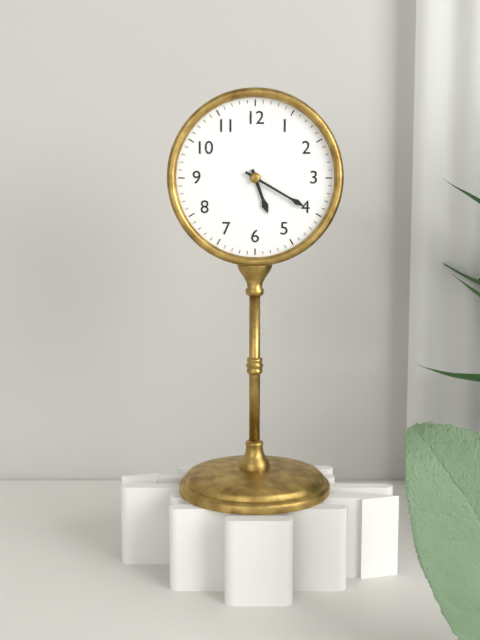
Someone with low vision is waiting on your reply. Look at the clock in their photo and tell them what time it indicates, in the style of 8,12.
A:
5,20
